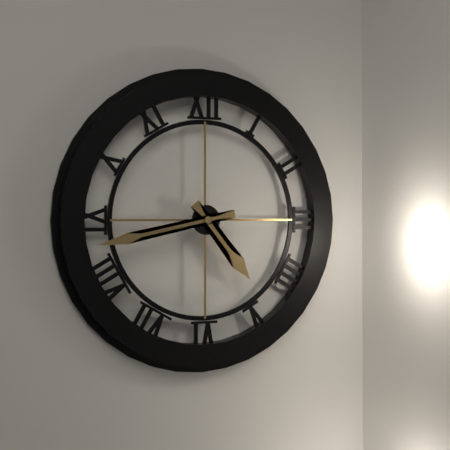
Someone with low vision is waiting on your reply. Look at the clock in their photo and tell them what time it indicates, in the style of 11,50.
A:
4,43
